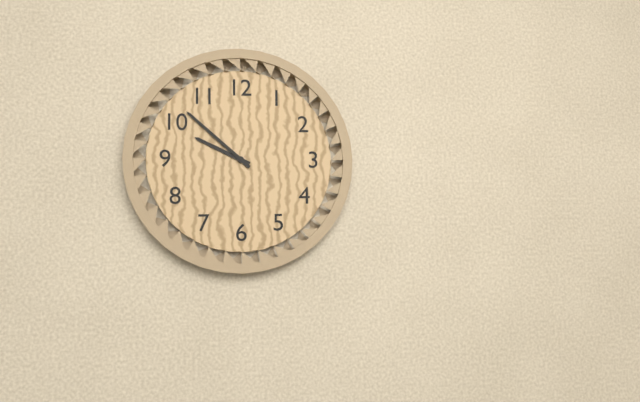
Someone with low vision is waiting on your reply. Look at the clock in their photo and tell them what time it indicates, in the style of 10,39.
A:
9,52
